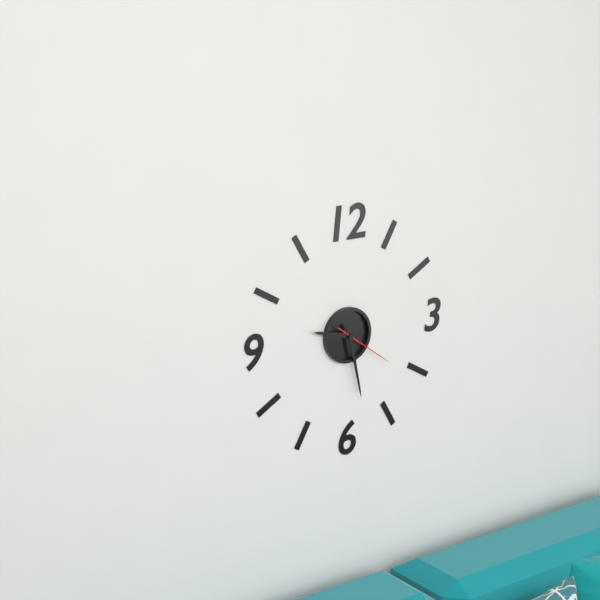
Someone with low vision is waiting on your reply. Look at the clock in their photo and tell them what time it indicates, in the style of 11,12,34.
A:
9,28,21
